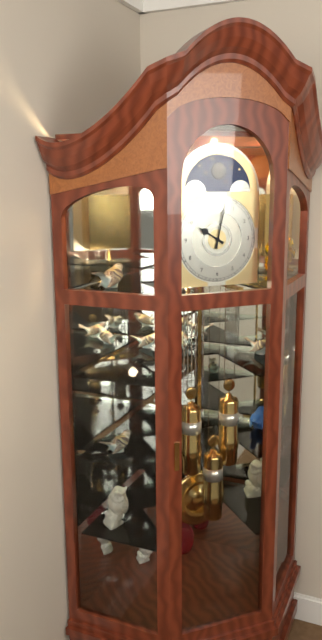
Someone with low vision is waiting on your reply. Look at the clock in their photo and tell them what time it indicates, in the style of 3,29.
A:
10,02
